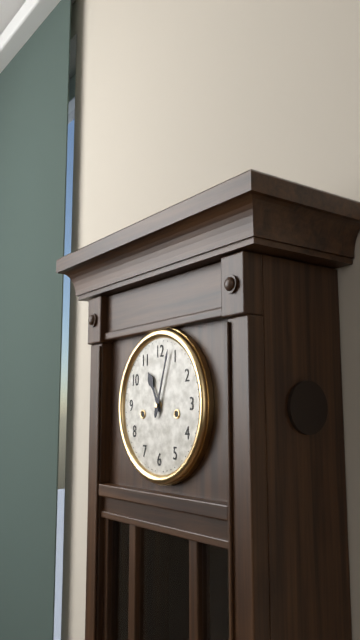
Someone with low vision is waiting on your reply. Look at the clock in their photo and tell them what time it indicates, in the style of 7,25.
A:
11,03
